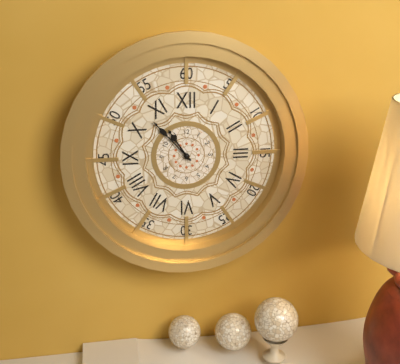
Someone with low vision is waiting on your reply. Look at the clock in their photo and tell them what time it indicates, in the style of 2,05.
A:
10,53
